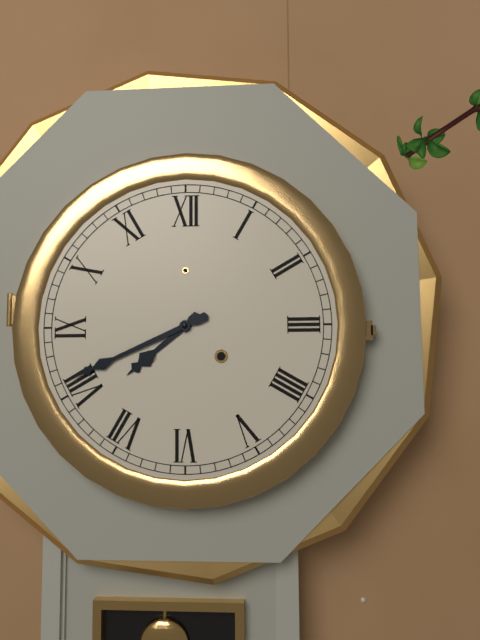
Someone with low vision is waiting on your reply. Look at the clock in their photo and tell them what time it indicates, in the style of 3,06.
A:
7,41
